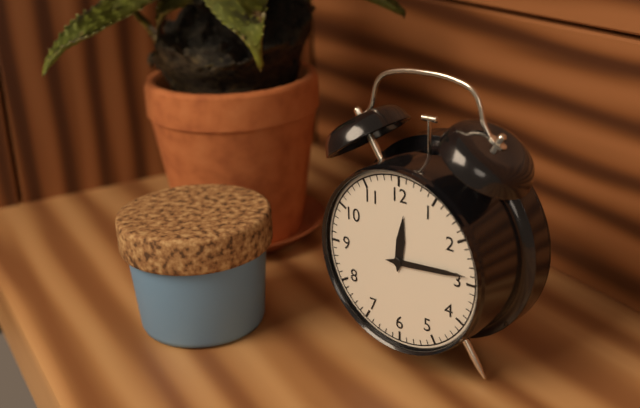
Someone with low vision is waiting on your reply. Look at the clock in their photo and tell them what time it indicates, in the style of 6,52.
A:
12,14
